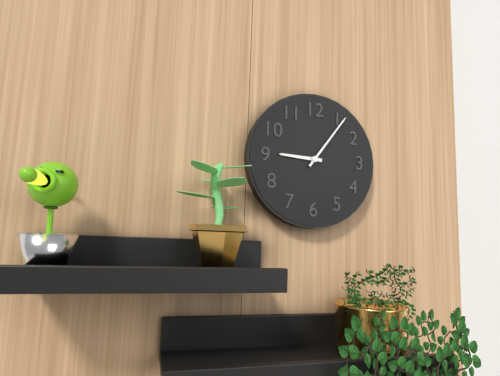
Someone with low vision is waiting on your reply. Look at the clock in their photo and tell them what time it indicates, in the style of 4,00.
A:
9,06
